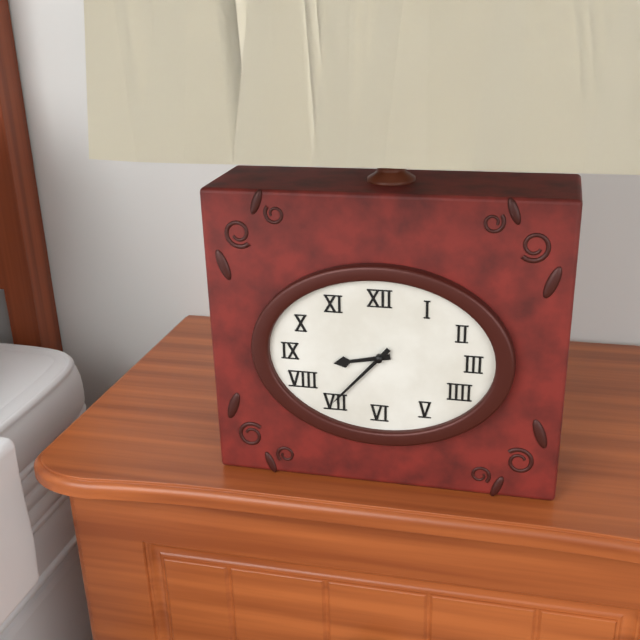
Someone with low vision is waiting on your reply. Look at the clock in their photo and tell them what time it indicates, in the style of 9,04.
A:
8,37
